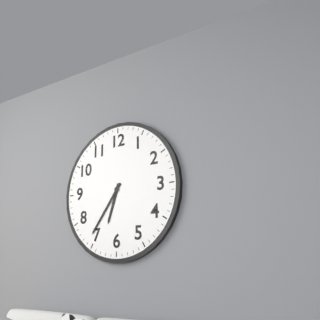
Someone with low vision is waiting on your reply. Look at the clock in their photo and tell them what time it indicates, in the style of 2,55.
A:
6,36
